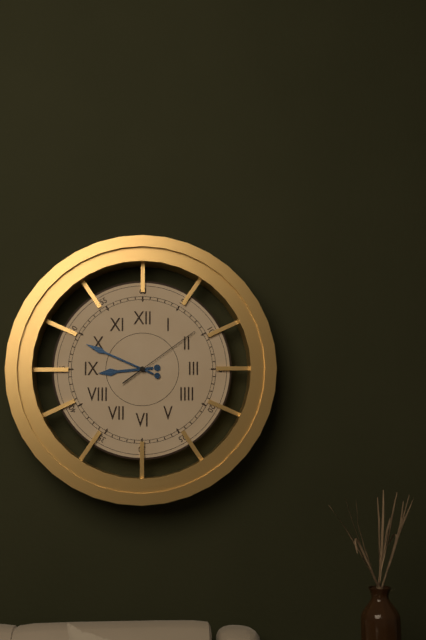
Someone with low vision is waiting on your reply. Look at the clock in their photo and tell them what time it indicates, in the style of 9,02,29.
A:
8,49,09
